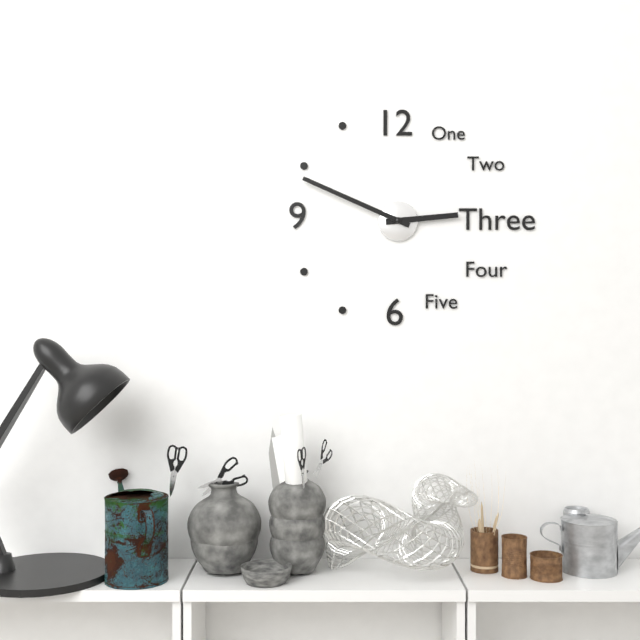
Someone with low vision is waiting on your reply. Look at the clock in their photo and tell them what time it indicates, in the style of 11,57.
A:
2,49
